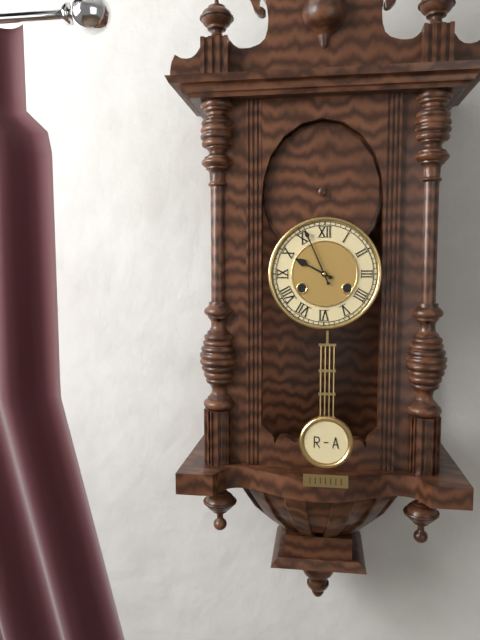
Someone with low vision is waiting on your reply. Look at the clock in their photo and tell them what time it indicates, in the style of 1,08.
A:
9,56
